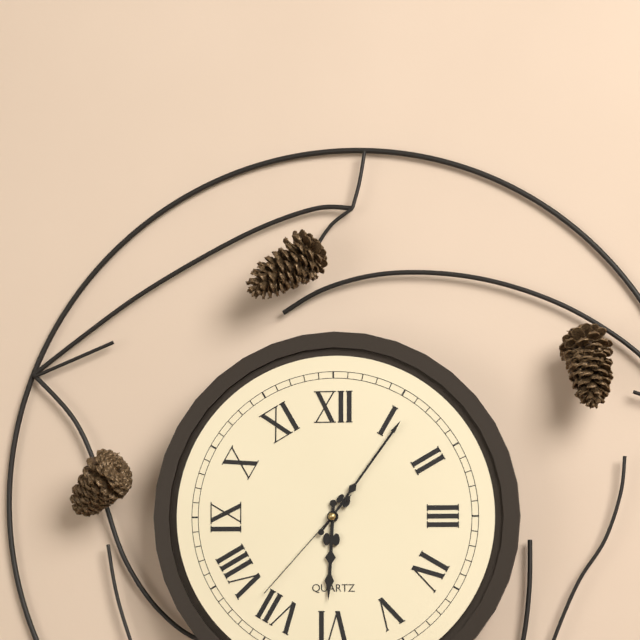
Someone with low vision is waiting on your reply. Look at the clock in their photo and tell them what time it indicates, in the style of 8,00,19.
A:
6,06,37
